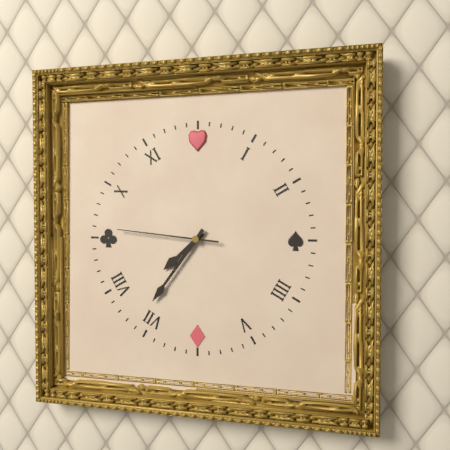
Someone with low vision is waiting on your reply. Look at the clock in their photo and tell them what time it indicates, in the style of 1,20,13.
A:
7,36,46
